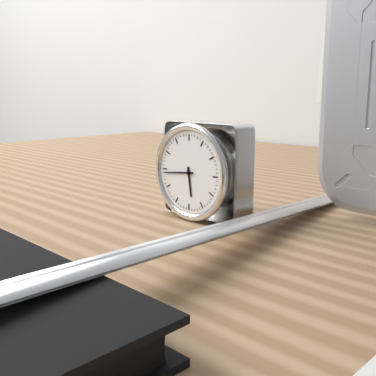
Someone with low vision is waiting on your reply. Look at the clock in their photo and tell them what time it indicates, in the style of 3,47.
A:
5,44
